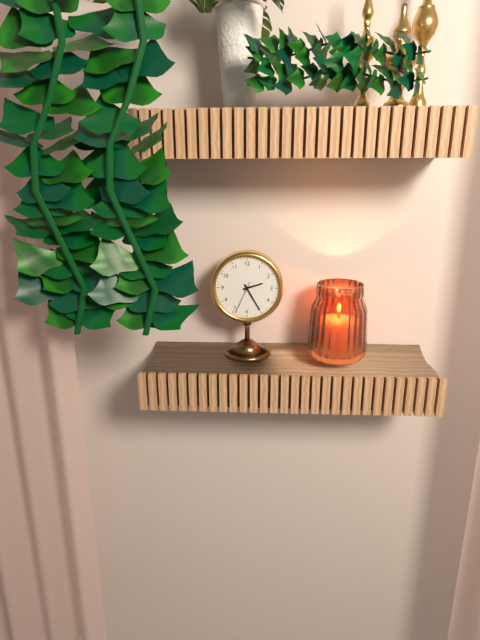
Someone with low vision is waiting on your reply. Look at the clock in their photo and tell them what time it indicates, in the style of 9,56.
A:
2,25
